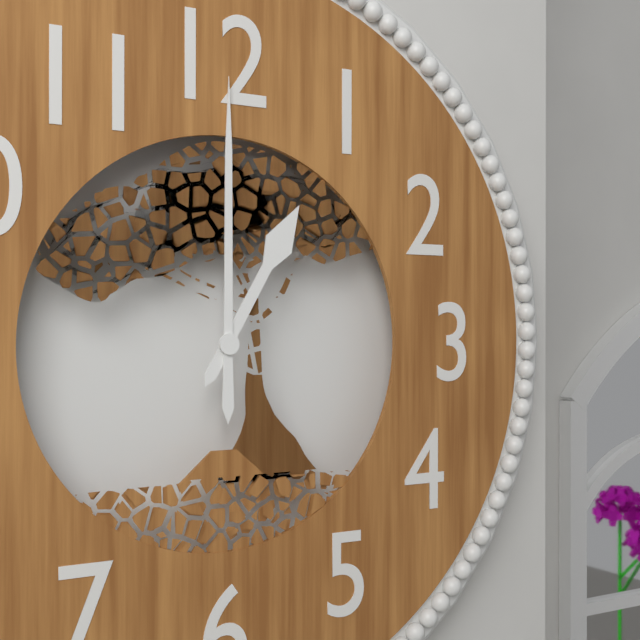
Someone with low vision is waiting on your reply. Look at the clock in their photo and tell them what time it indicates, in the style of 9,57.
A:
1,00
